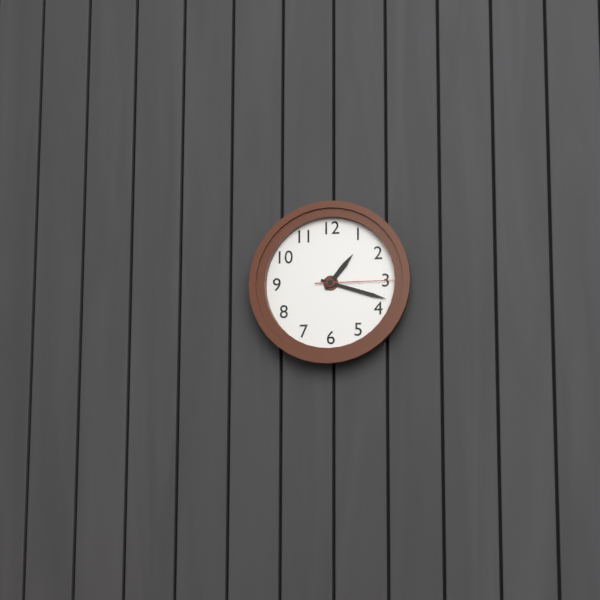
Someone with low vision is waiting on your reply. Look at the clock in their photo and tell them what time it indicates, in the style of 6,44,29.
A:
1,18,15
